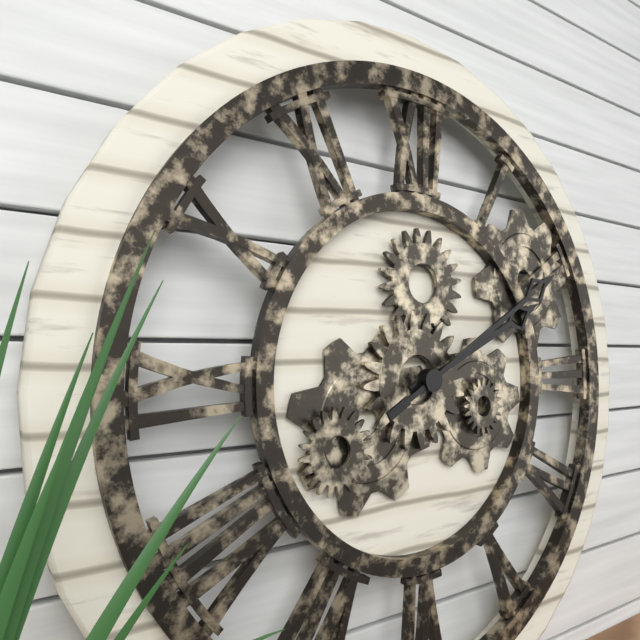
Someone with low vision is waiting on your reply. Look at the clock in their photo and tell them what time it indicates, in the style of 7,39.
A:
2,10
